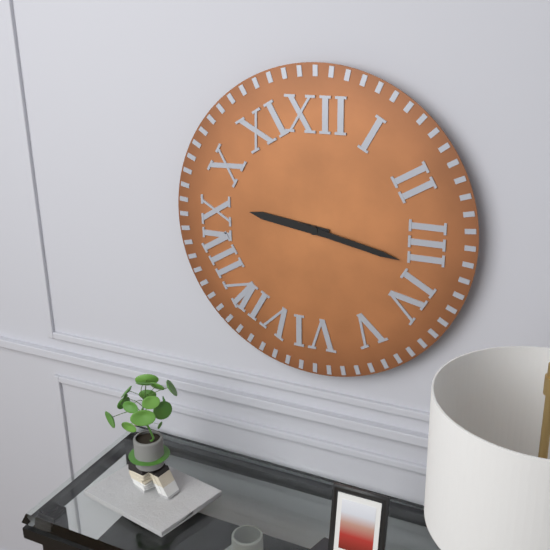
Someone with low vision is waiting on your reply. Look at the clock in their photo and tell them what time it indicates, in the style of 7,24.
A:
9,17
